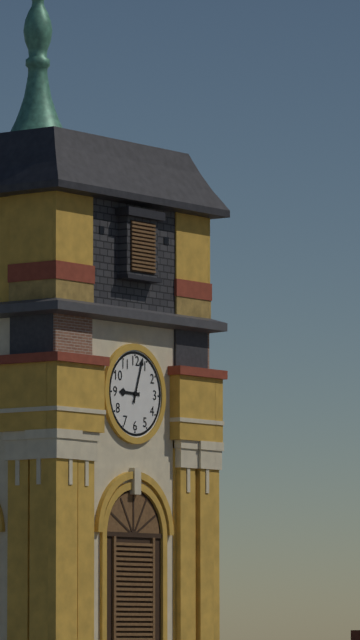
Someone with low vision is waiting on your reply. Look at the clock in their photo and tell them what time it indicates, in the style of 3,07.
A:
9,03
